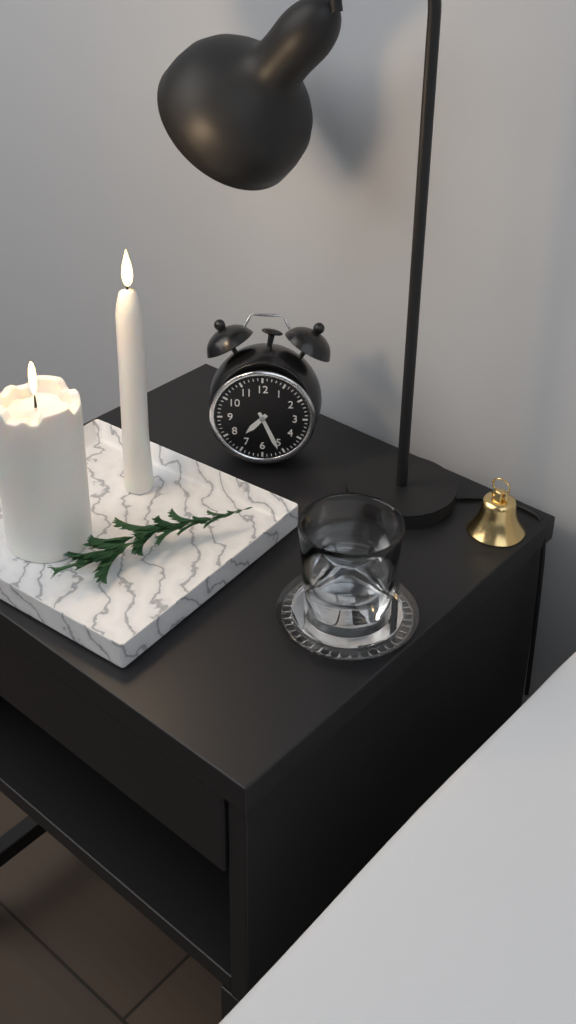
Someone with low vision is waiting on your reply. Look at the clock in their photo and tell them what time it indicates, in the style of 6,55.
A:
7,26
